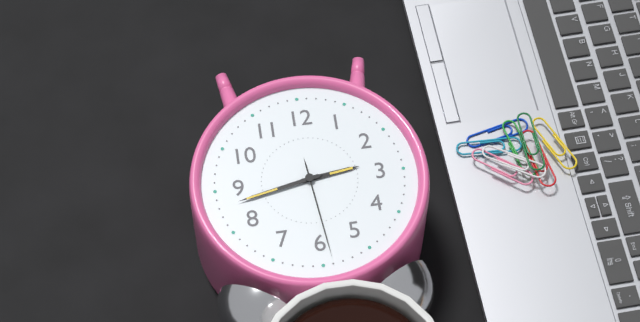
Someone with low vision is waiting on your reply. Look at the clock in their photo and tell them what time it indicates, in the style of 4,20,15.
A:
2,43,29
